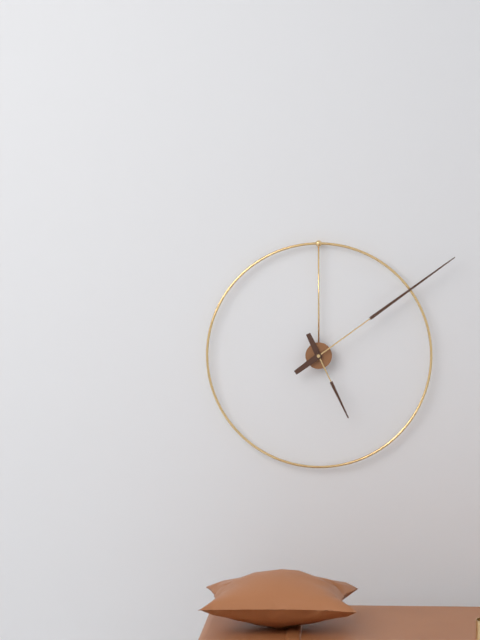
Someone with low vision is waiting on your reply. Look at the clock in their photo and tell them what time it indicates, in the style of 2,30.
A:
5,09
